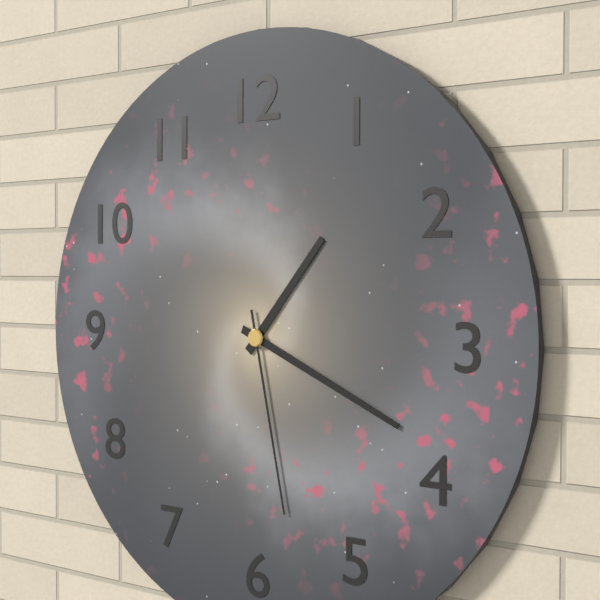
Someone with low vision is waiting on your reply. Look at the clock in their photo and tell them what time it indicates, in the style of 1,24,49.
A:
1,19,28
